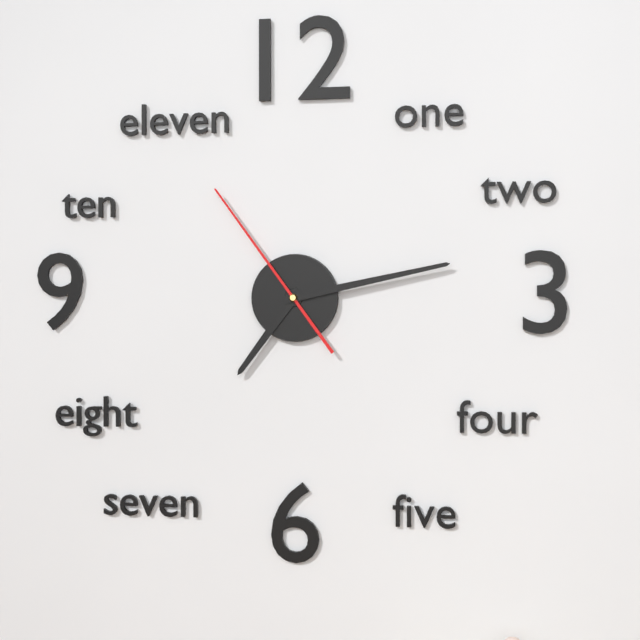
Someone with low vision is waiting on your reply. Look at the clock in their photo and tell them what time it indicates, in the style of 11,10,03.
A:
7,13,54
